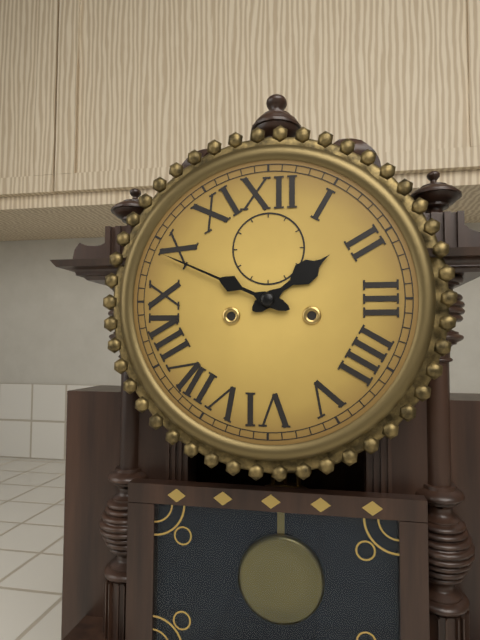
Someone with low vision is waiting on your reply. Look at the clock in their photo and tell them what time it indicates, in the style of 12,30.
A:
1,49
